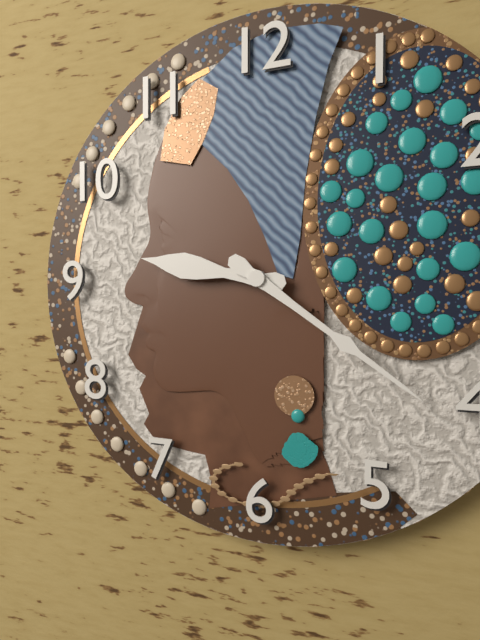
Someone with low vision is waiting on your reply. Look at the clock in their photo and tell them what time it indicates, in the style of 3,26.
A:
9,21
